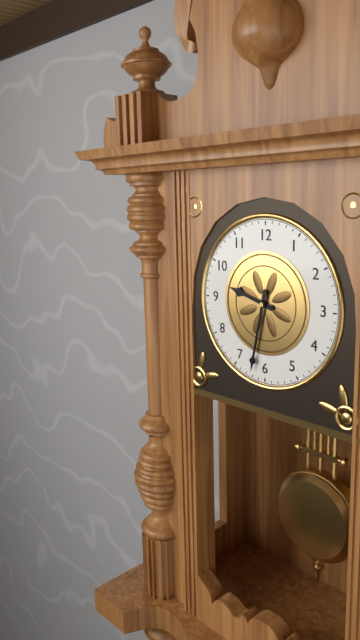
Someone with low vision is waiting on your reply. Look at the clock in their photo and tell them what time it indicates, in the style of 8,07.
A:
9,32
